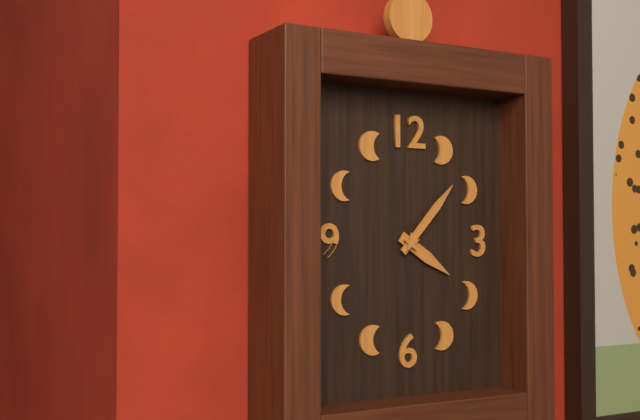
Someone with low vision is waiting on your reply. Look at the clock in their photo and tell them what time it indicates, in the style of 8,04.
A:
4,07
